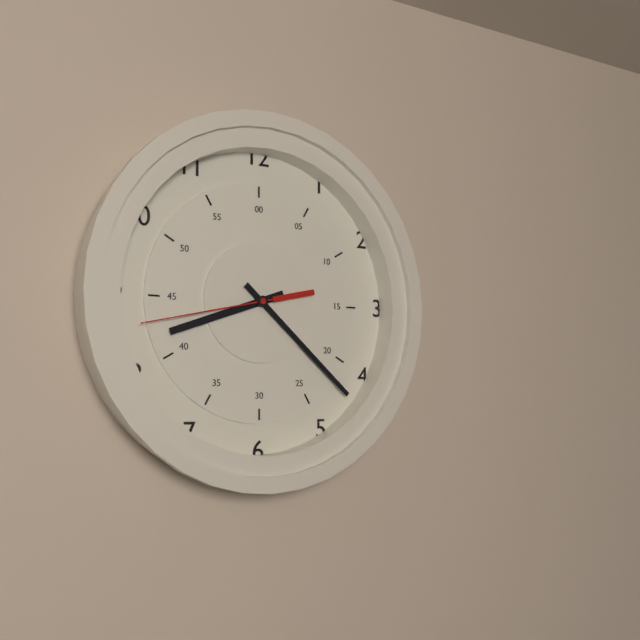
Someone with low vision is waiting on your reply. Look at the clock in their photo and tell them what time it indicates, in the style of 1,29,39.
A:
8,22,43
